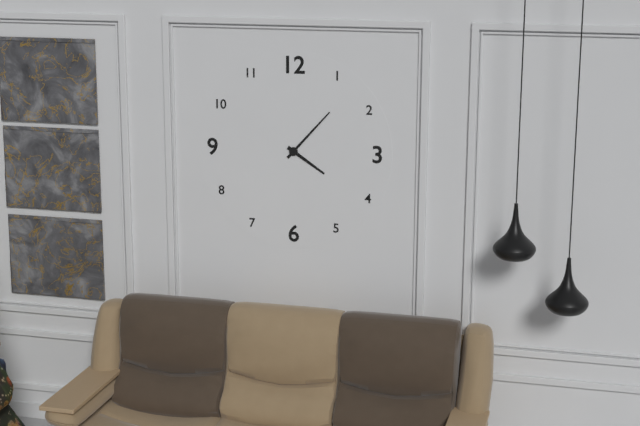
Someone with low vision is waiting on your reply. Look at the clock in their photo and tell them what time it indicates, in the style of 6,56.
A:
4,07
